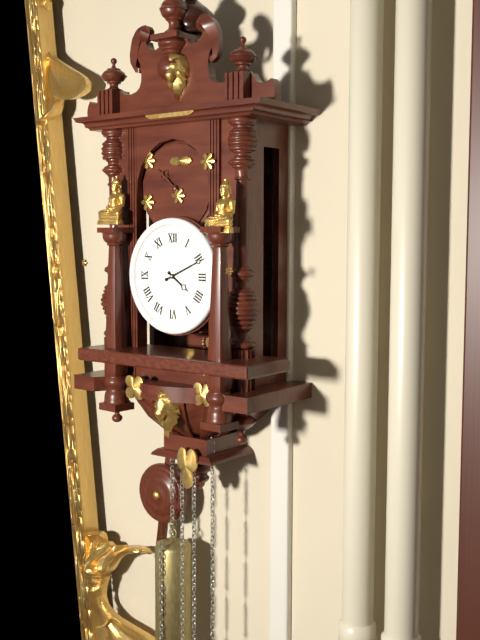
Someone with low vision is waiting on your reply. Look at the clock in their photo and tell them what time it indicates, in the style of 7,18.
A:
4,11
